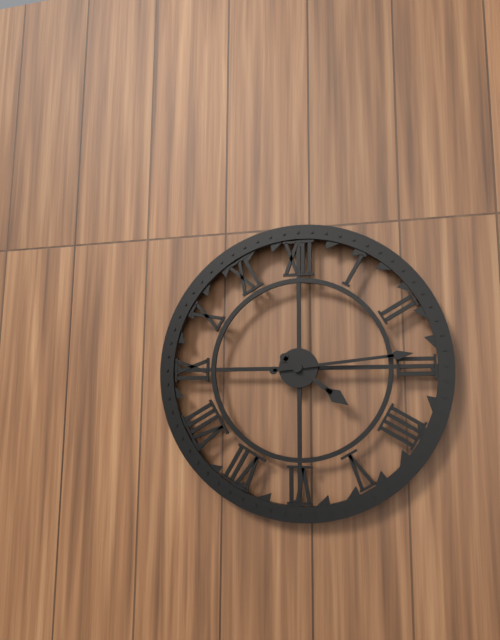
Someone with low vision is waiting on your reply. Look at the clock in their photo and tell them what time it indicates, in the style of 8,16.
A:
4,14
